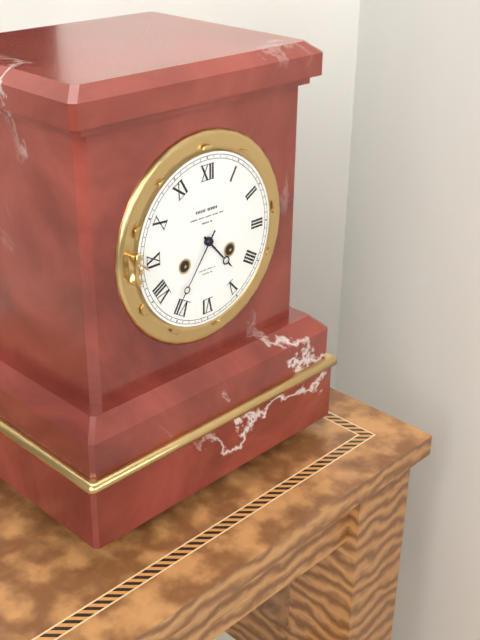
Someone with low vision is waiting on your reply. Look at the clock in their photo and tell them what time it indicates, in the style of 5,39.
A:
4,36
